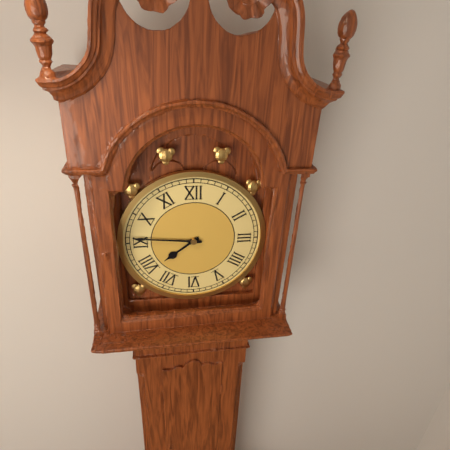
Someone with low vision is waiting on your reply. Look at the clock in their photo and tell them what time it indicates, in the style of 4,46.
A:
7,46
